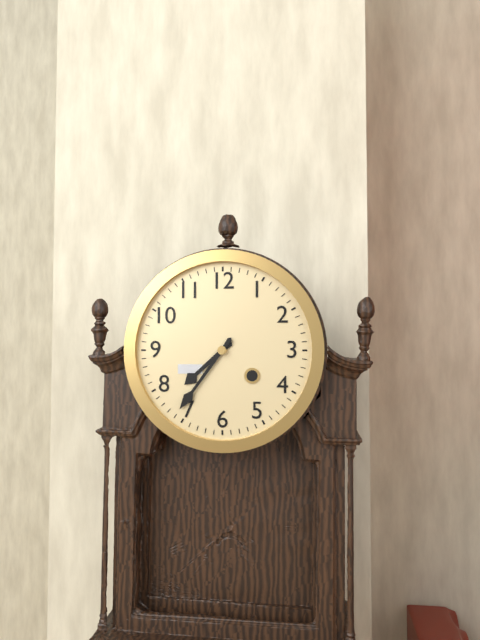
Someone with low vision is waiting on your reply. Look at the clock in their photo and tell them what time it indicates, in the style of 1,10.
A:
7,36
